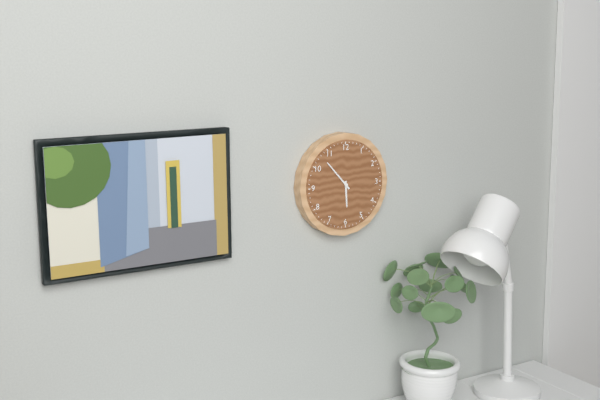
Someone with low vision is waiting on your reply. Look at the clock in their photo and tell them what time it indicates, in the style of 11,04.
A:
5,53
